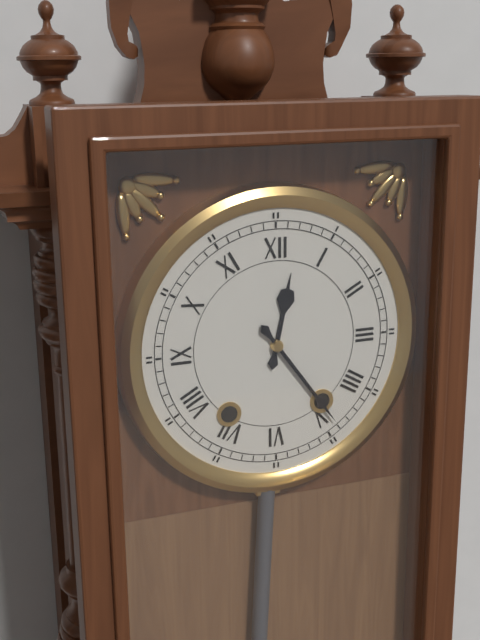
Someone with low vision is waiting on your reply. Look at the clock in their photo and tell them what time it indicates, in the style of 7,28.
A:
12,24
